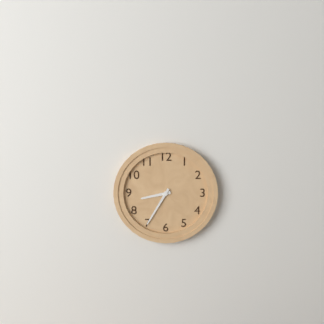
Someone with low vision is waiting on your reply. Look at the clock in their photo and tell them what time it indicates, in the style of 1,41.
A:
8,35
